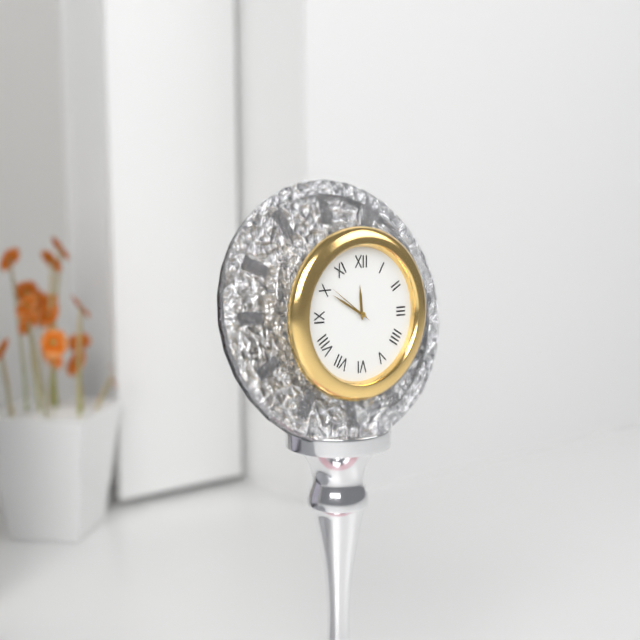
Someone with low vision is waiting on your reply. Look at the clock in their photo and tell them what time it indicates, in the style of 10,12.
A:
11,50
